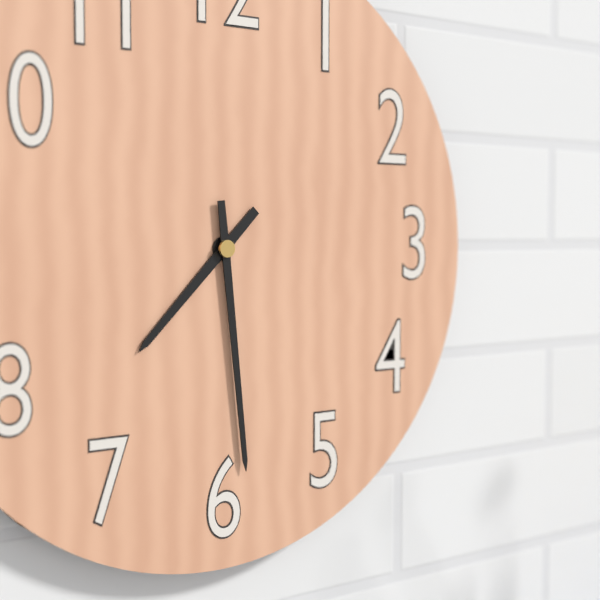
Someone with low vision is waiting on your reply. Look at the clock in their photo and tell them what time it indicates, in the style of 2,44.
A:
7,29
